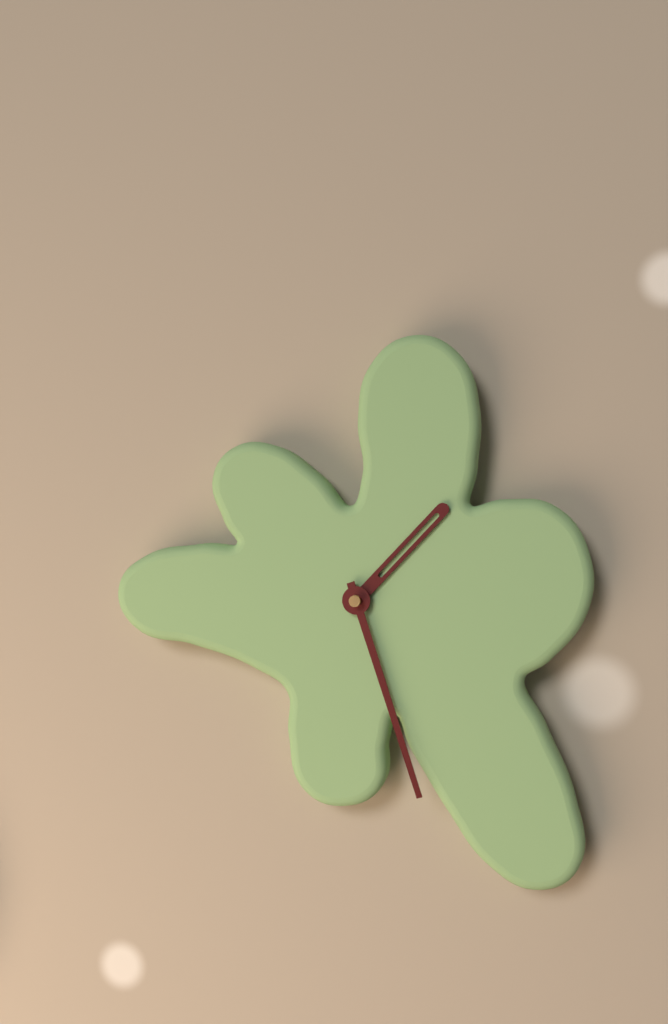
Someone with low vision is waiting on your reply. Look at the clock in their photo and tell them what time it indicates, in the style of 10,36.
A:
1,27
